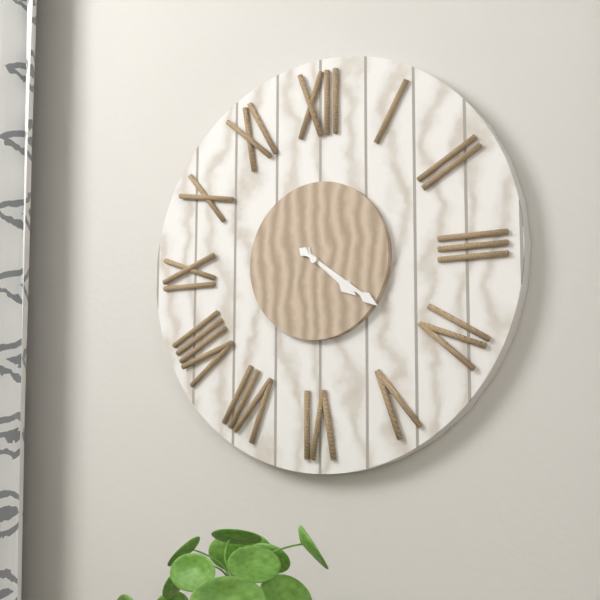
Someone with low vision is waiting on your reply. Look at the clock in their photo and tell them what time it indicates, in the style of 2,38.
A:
4,21
